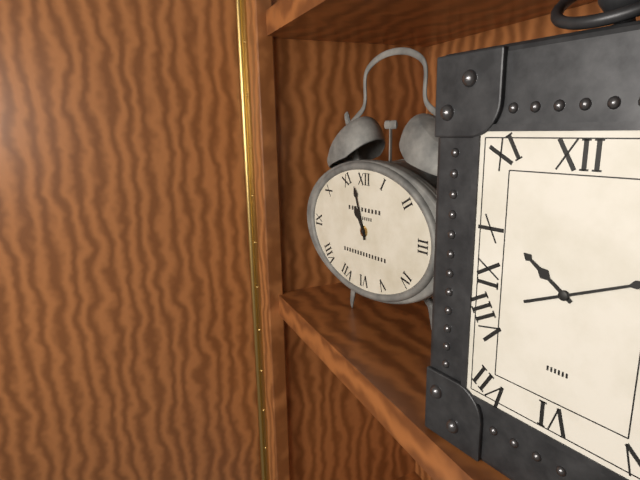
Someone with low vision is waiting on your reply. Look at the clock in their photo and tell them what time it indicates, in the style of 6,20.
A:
10,57
